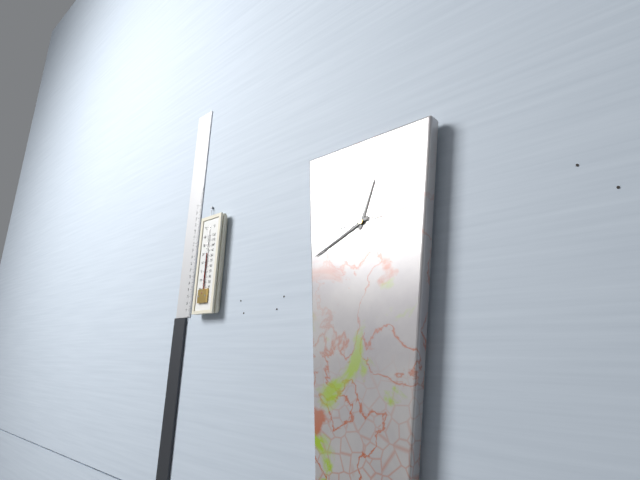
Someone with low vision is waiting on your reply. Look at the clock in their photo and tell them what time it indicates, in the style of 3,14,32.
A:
12,41,14
